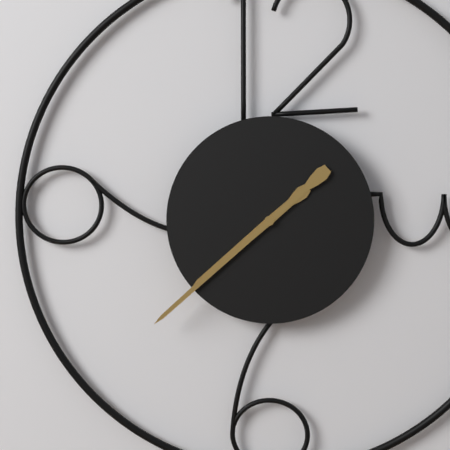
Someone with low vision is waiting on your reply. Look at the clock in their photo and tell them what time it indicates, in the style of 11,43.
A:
7,38
